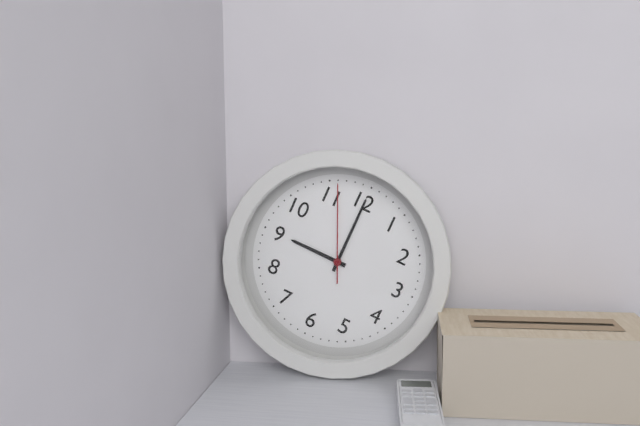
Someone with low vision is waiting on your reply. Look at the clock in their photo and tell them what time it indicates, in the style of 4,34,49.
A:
9,00,56
